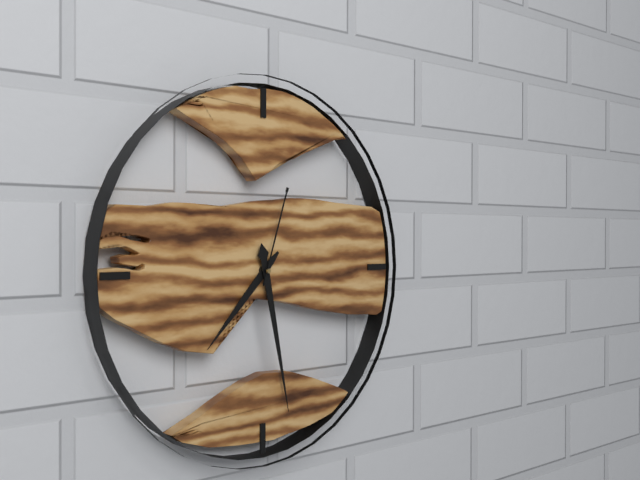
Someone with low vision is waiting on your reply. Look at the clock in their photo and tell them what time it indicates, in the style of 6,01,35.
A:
7,28,03
